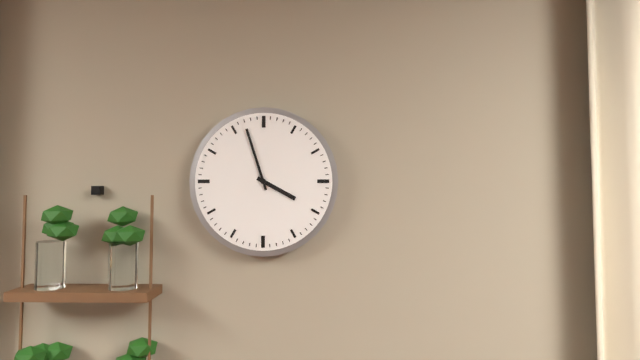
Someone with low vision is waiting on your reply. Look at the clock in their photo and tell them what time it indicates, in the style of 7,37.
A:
3,57
